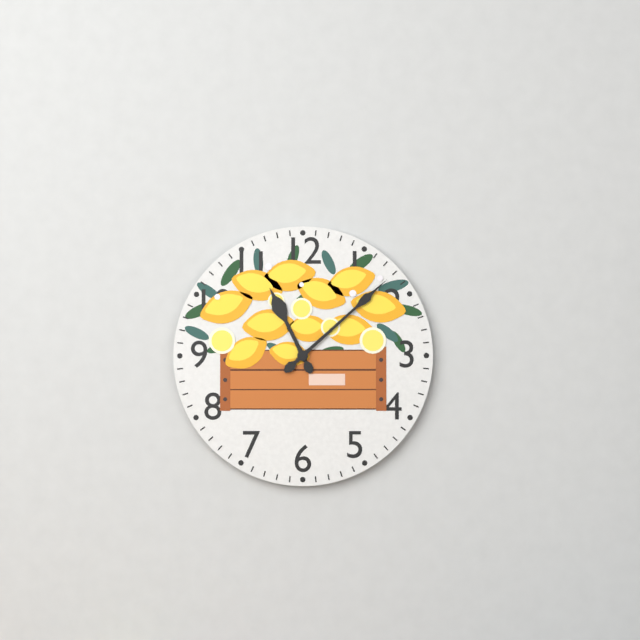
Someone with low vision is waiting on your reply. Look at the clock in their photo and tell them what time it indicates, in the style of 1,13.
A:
11,08
